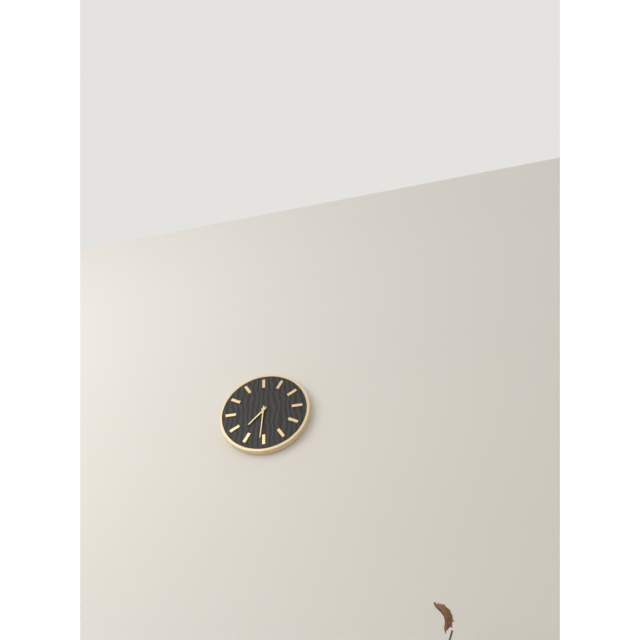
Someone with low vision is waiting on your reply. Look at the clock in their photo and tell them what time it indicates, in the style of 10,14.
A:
7,31
